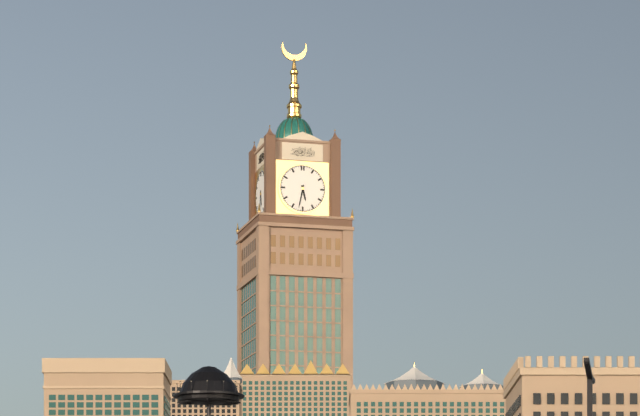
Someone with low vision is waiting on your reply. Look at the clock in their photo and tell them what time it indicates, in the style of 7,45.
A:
5,32
